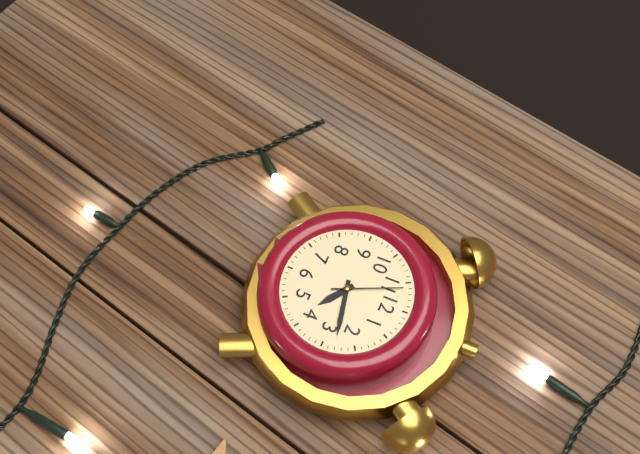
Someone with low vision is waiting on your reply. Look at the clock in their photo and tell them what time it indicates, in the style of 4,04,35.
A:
4,13,56
